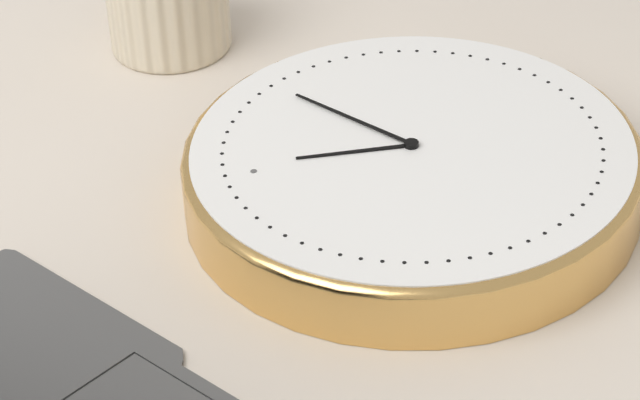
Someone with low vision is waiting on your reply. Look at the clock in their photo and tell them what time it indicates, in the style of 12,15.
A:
12,09
